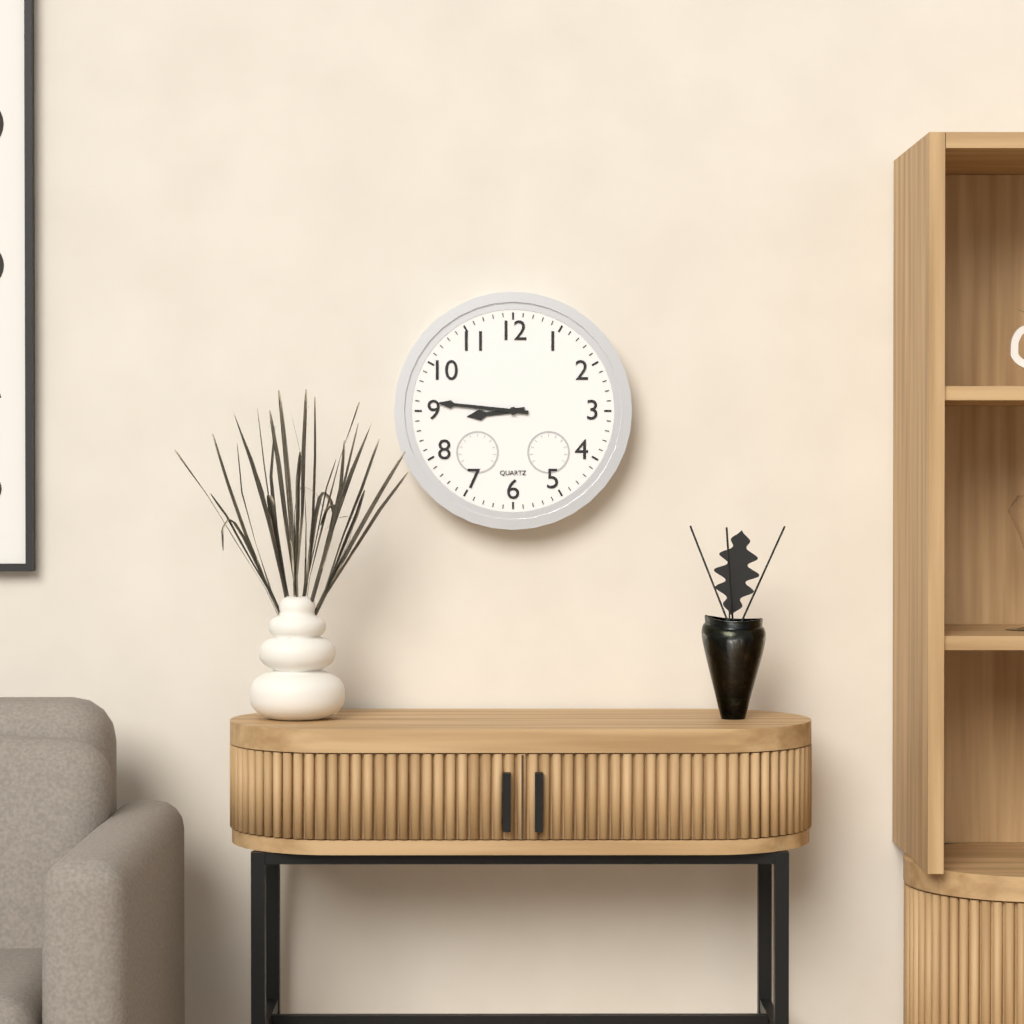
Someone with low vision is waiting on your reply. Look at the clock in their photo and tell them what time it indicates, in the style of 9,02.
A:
8,46
